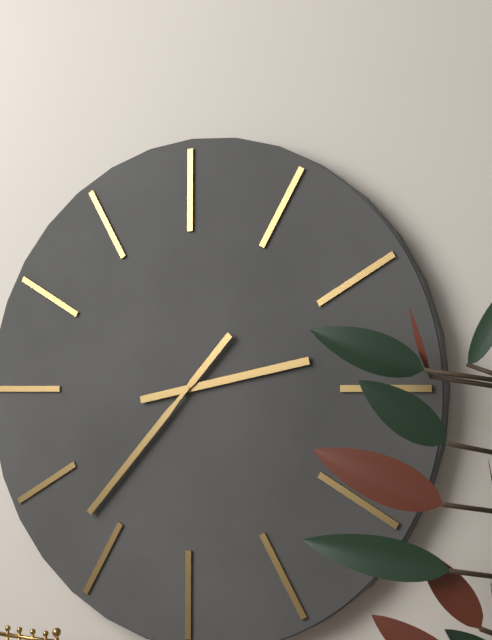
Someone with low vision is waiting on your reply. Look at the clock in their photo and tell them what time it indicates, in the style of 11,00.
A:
2,37
